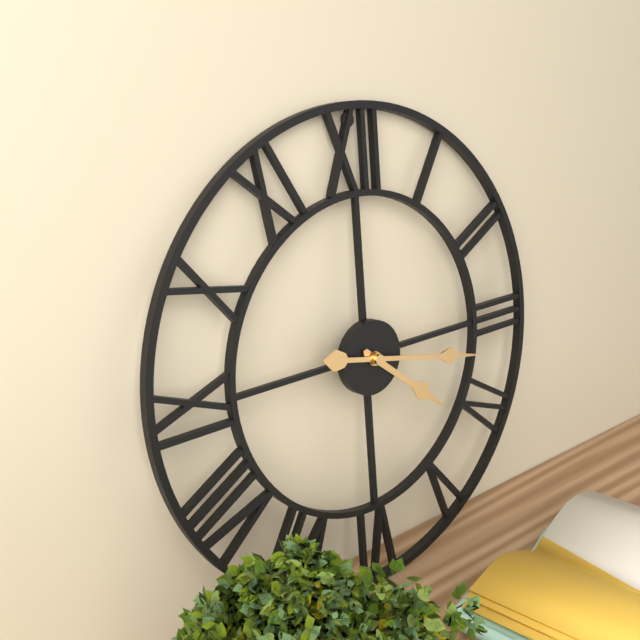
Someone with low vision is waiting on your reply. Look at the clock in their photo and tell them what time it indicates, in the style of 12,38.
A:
4,17
